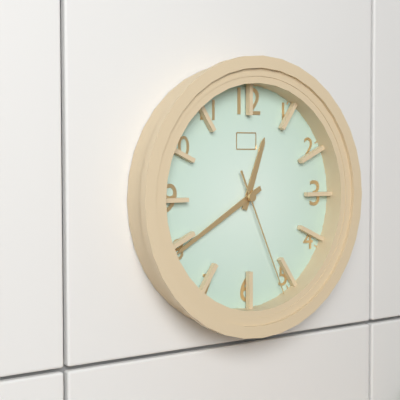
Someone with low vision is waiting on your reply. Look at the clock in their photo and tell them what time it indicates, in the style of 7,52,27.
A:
12,40,26
